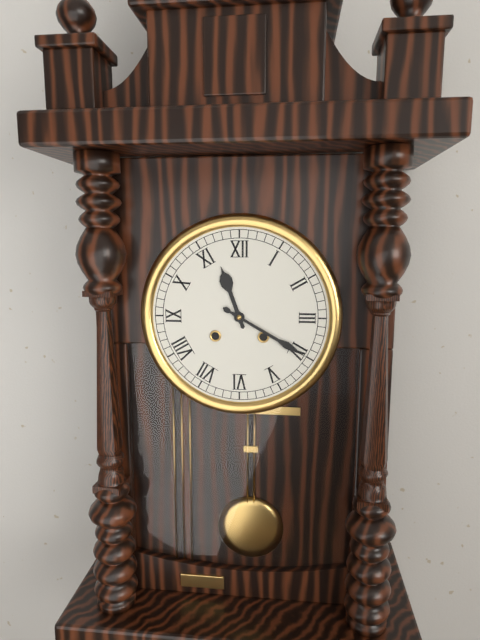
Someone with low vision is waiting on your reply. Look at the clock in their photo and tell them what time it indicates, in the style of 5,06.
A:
11,20
